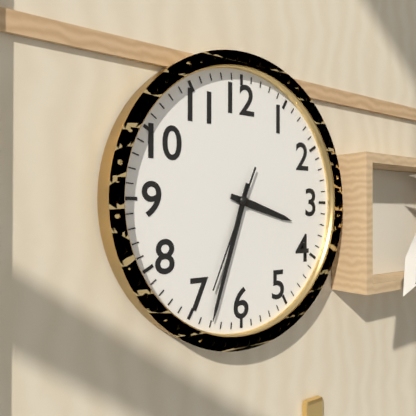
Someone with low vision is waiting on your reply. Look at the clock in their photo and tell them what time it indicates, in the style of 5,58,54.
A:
3,33,34
